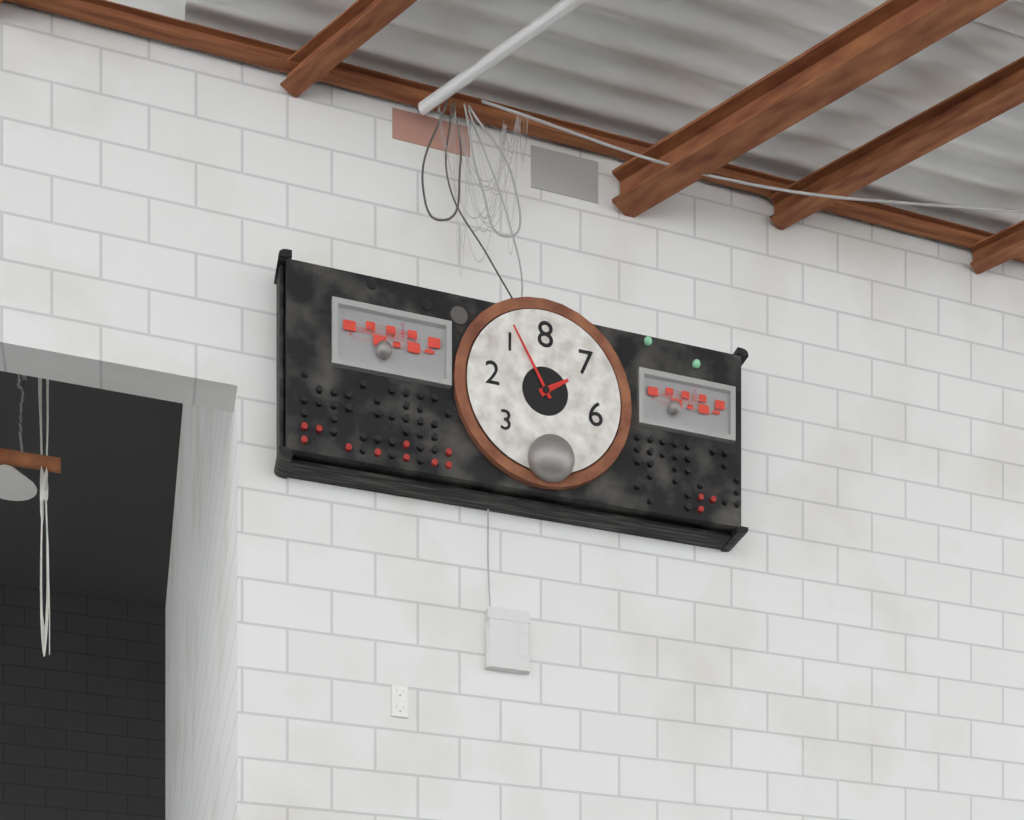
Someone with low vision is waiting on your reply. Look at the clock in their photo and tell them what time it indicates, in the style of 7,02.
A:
1,55
